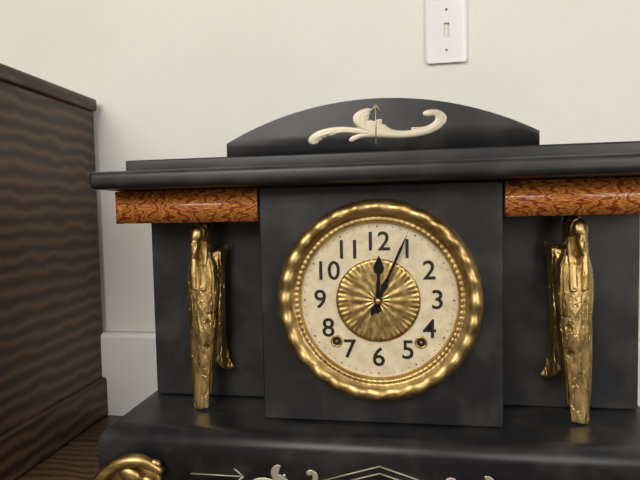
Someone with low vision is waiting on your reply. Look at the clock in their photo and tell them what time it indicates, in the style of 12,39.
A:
12,04
